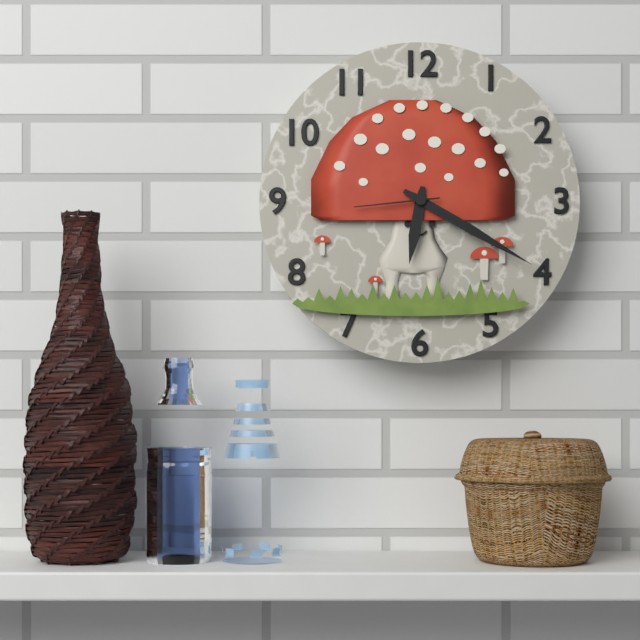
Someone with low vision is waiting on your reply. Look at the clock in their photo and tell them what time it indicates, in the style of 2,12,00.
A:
6,20,44
